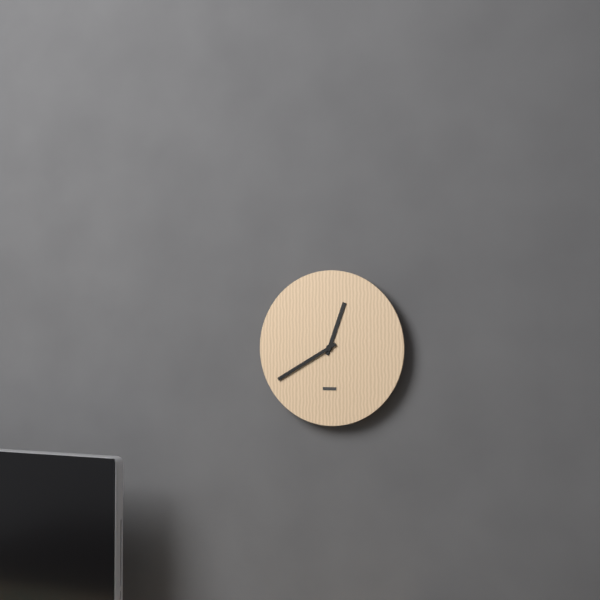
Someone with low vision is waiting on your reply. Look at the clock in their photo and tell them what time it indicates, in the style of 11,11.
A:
12,40
